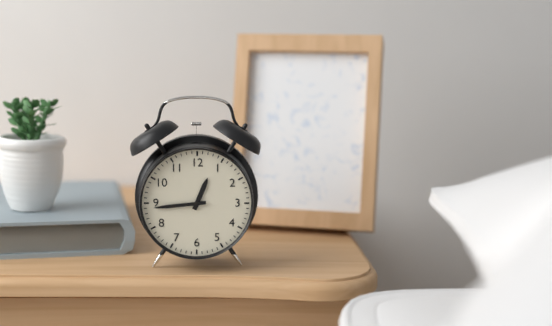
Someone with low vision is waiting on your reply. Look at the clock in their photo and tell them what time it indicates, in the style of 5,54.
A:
12,44
